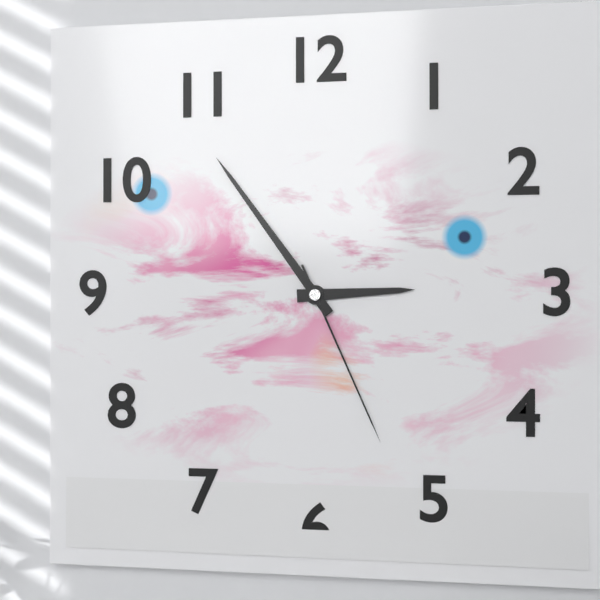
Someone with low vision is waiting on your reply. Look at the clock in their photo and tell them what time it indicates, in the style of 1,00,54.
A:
2,54,26
